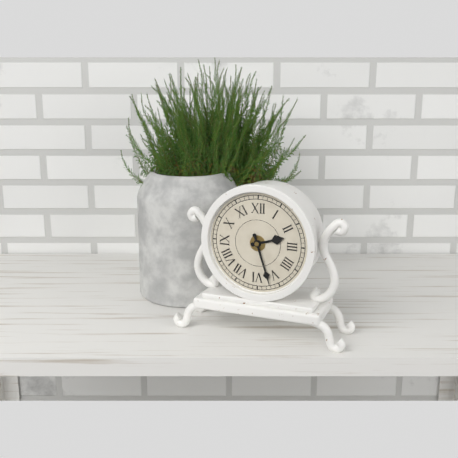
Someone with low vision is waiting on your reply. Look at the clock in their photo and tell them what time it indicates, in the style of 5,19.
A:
2,27
